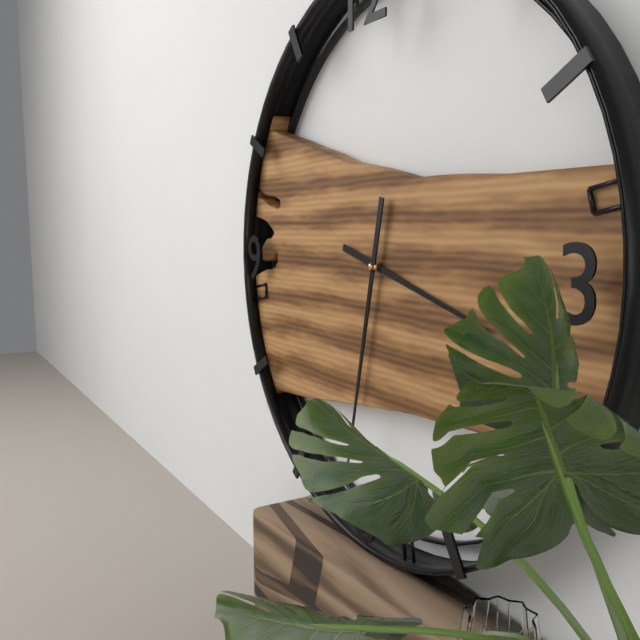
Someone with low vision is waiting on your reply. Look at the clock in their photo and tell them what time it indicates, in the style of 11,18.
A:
3,32
